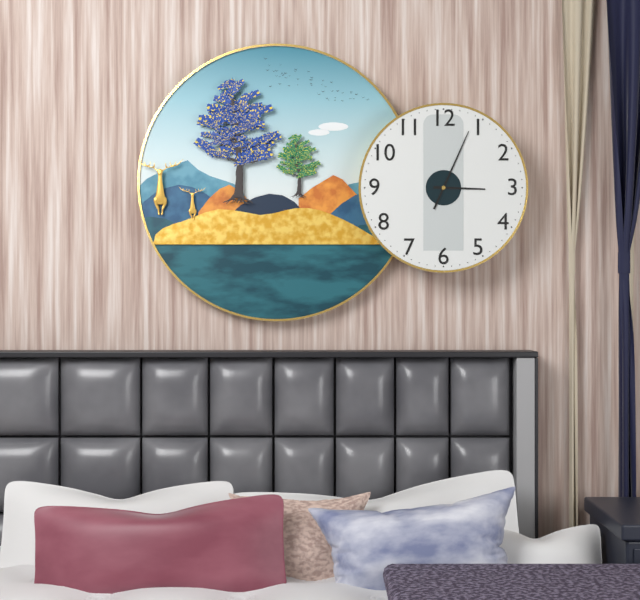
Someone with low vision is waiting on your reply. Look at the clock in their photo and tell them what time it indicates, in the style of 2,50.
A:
3,04
